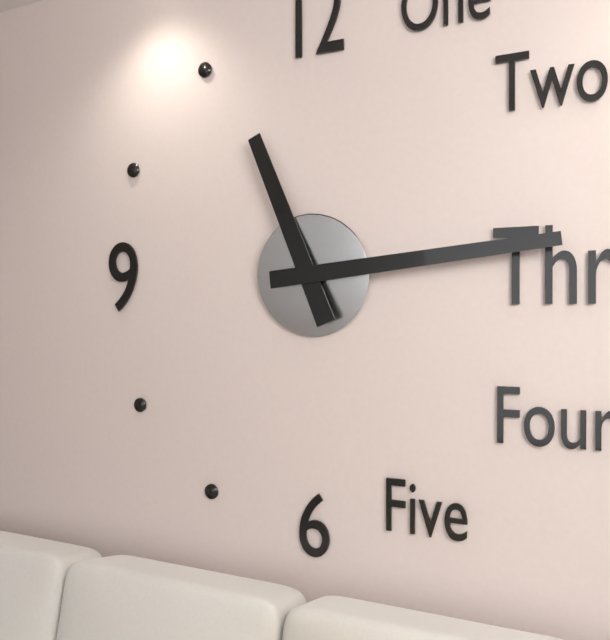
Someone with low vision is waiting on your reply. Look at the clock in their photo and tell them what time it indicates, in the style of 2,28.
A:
11,14
